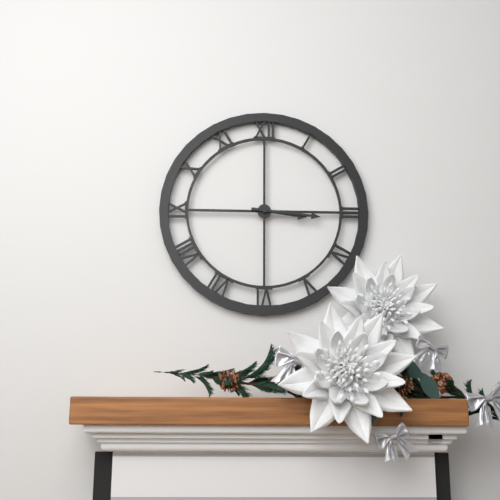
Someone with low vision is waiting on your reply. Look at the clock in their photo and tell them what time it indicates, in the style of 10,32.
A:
3,16
